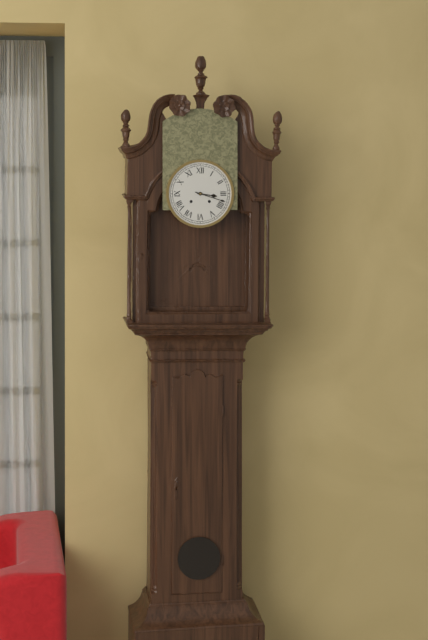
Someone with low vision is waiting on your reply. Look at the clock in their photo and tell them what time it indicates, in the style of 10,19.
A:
3,18
